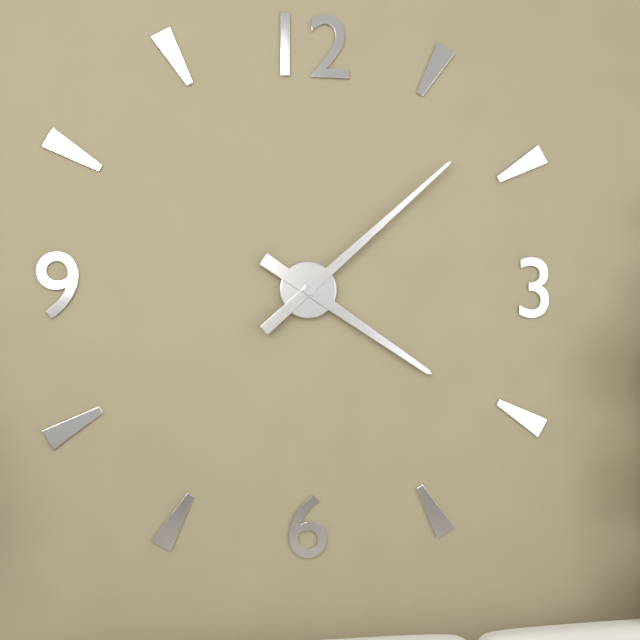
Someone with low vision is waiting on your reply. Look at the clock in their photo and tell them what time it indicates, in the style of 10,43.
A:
4,08
